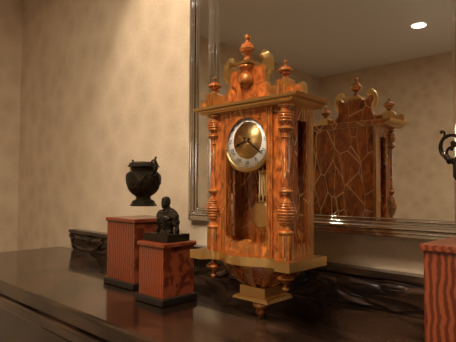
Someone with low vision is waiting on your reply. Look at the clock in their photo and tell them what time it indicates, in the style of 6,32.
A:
8,21
